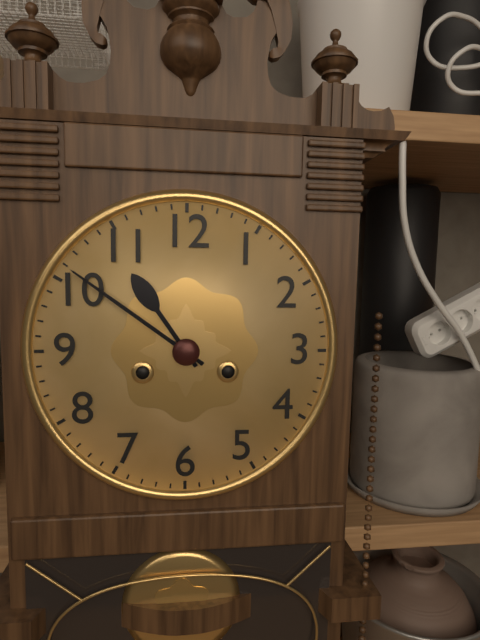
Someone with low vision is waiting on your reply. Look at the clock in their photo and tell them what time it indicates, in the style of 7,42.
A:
10,51
